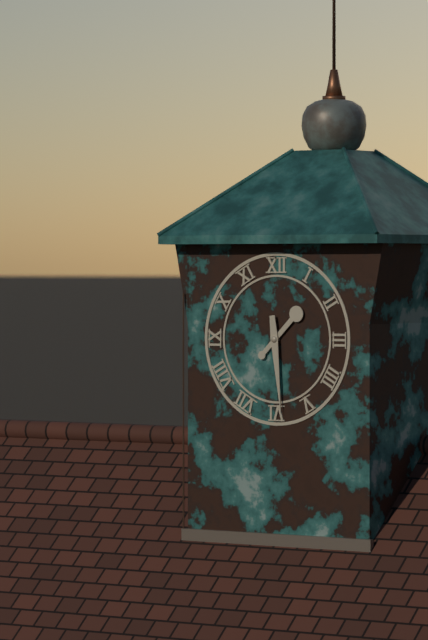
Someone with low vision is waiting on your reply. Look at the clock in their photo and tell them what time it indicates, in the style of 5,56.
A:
1,29
